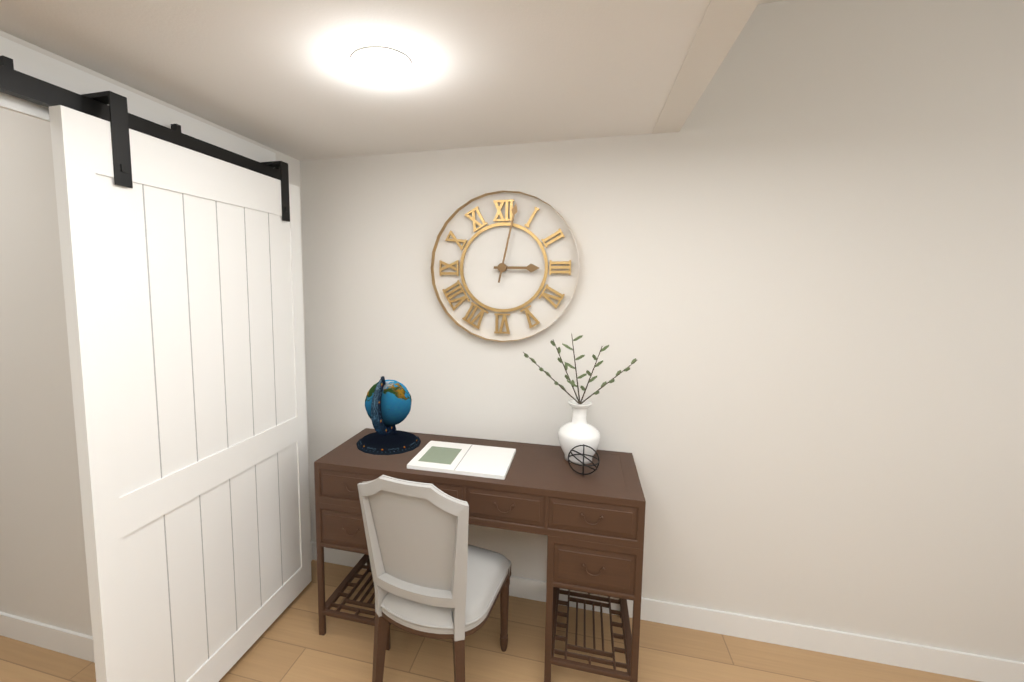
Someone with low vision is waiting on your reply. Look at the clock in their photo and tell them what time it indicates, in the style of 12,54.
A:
3,02
